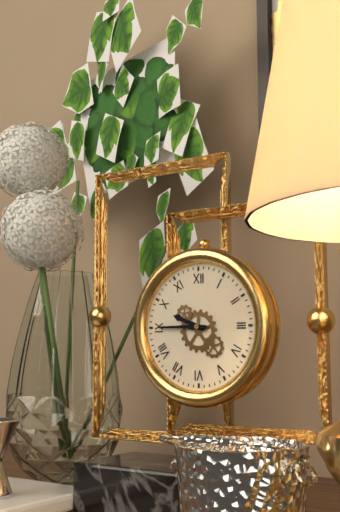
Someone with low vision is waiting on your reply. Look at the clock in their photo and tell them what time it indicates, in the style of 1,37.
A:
9,45
